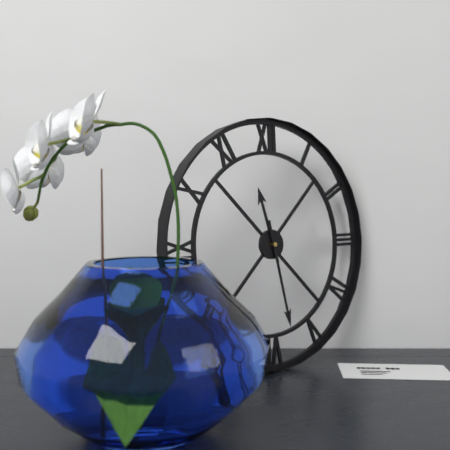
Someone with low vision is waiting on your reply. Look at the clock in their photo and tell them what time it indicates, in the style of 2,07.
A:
11,28
